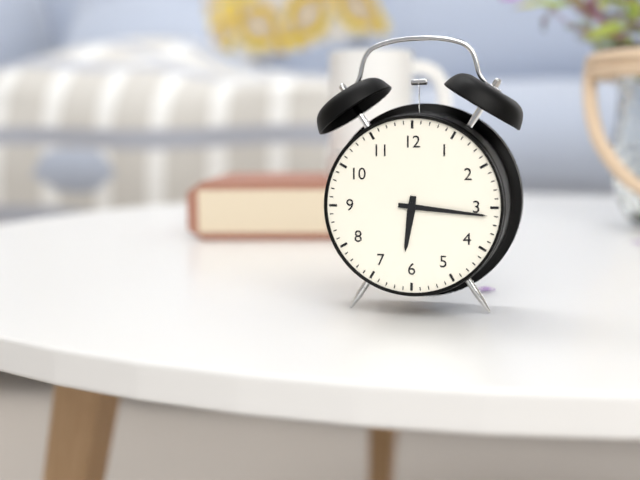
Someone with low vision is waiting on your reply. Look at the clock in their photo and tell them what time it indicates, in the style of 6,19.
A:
6,16
